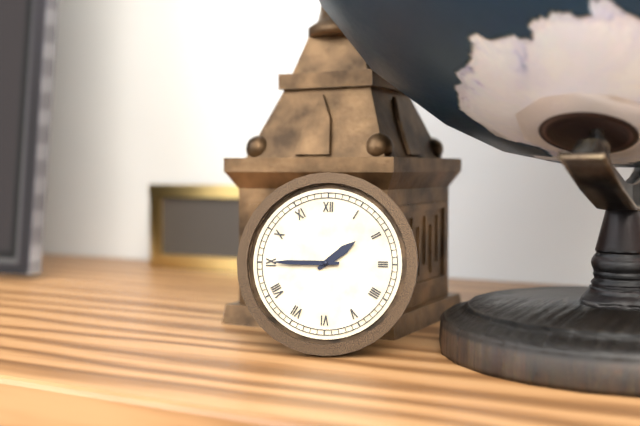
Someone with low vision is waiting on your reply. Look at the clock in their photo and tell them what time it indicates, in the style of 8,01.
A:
1,45
